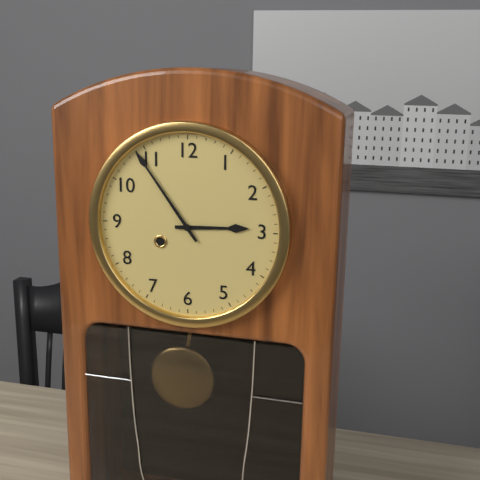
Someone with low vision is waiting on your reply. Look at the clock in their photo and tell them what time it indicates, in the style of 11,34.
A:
2,54
